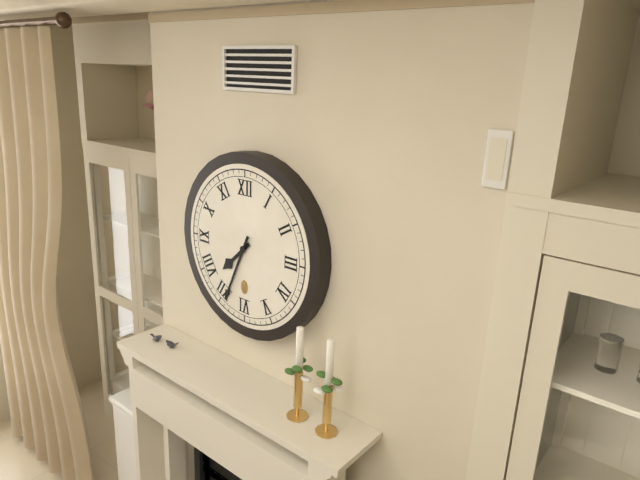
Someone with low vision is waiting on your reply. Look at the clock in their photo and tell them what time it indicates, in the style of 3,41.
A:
7,34
